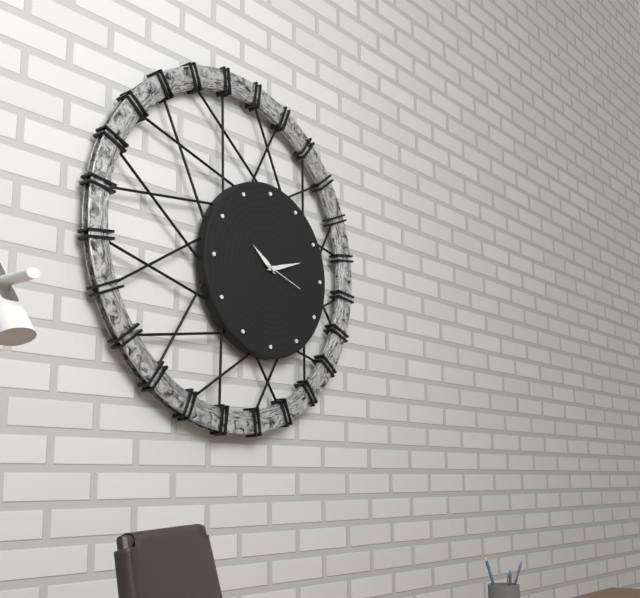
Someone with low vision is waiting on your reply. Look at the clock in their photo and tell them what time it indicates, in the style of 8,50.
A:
10,12
